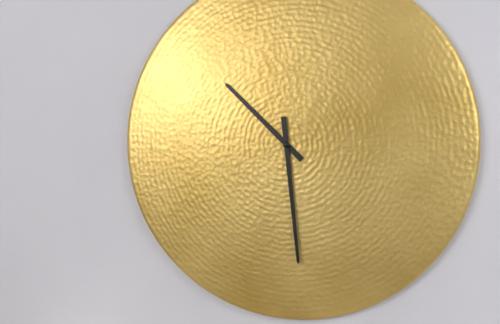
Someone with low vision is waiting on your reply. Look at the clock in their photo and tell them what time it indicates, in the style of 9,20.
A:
10,29
